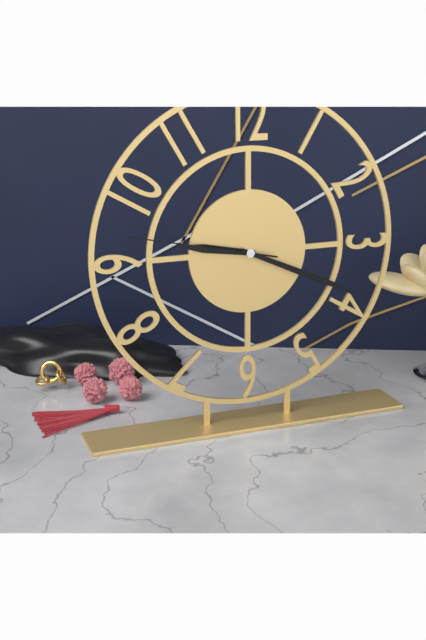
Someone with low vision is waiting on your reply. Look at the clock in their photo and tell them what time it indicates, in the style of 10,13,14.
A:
9,19,47
